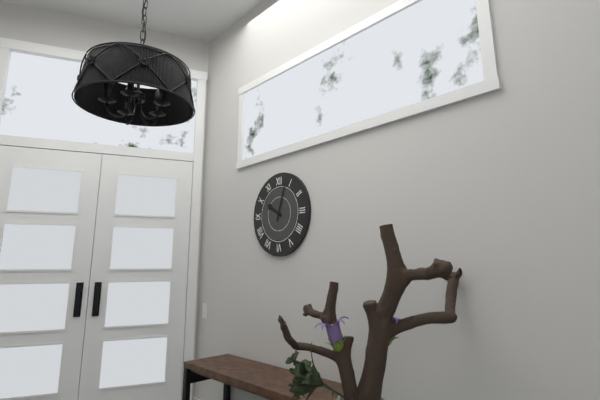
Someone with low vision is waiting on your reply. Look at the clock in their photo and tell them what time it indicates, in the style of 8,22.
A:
10,03
